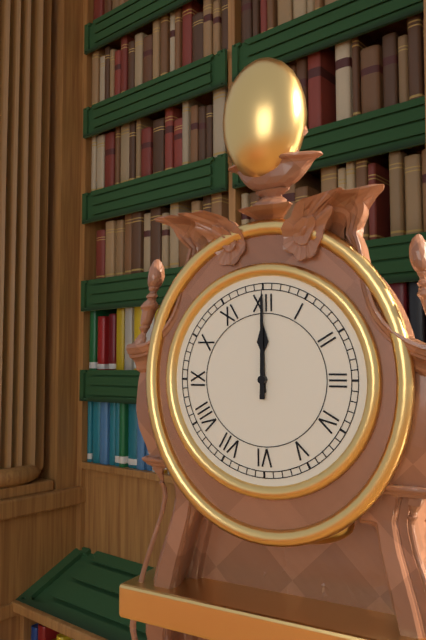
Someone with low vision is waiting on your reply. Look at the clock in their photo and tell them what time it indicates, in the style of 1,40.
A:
12,00
